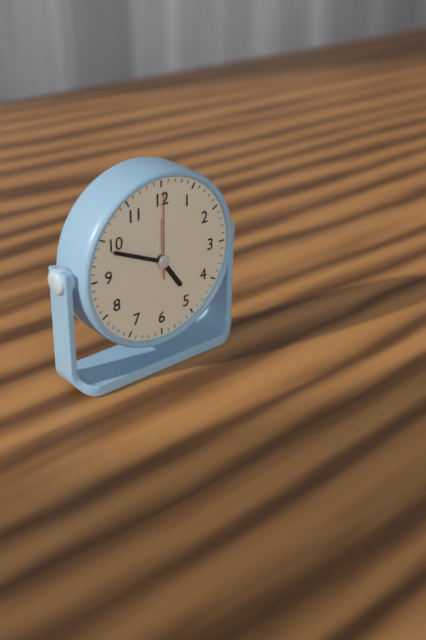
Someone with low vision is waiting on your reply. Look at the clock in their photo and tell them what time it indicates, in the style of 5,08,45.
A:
4,49,00
